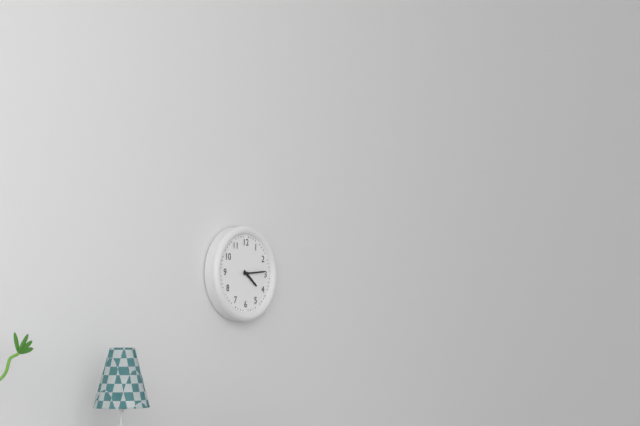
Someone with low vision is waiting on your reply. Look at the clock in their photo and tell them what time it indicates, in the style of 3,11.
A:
4,14
